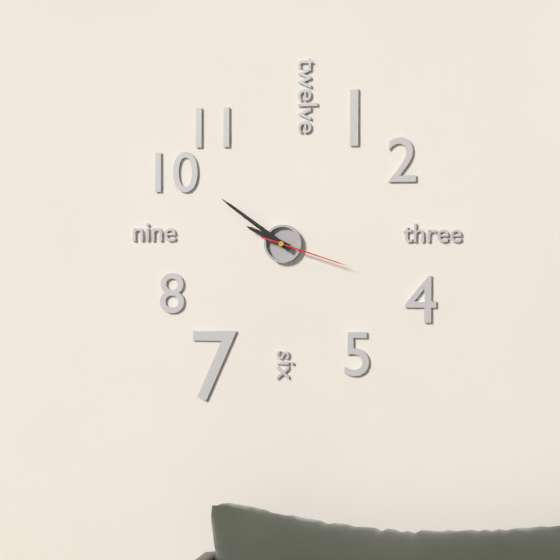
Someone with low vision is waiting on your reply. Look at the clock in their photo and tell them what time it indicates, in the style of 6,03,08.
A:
9,51,18
